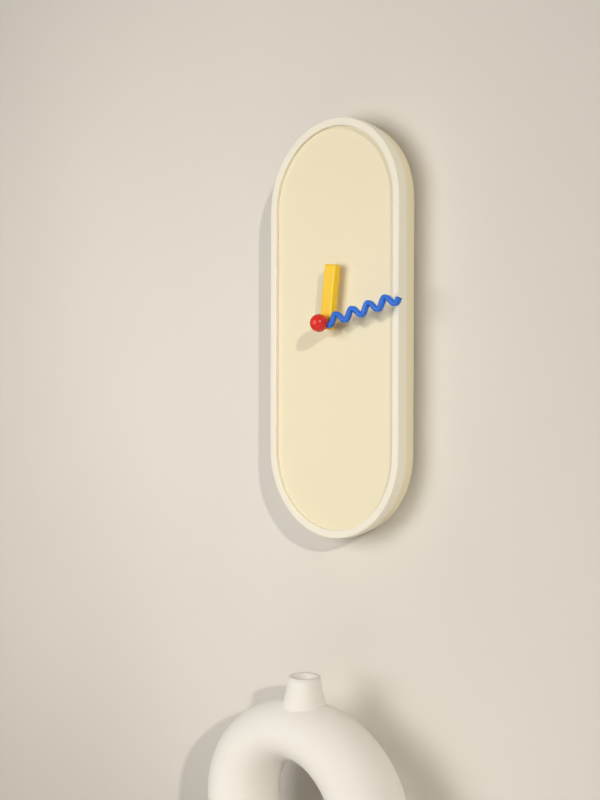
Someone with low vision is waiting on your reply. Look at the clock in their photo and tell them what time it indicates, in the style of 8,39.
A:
12,13
